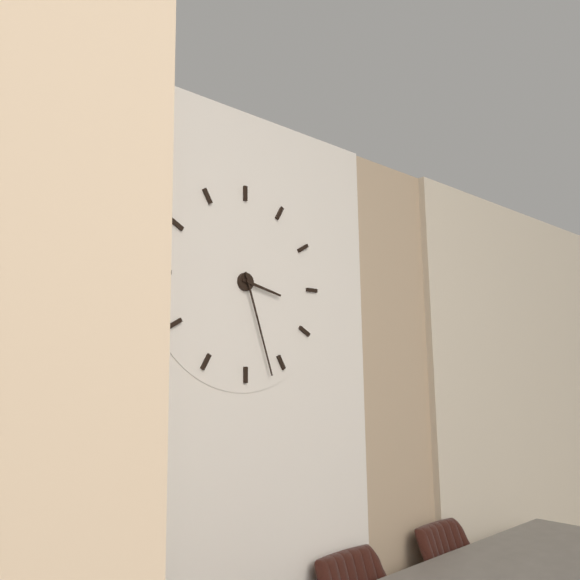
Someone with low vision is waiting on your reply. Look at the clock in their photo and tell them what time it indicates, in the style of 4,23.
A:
3,27
